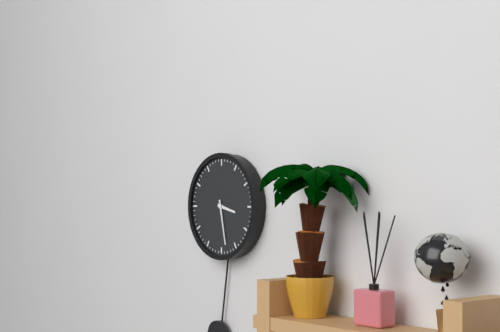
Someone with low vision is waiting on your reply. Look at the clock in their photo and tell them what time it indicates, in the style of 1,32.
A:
3,28
